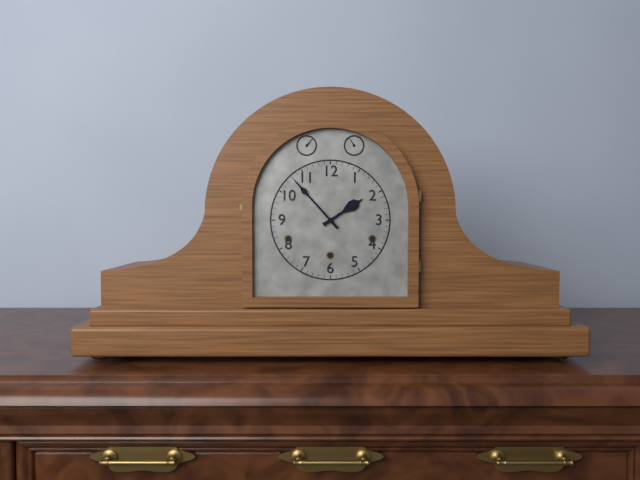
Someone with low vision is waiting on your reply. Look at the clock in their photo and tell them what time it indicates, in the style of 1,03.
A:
1,53
